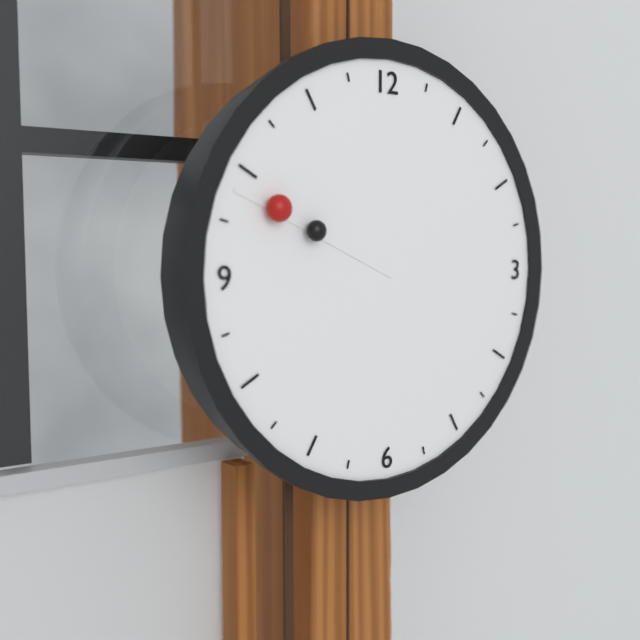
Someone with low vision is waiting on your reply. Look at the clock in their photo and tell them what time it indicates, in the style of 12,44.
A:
9,49
